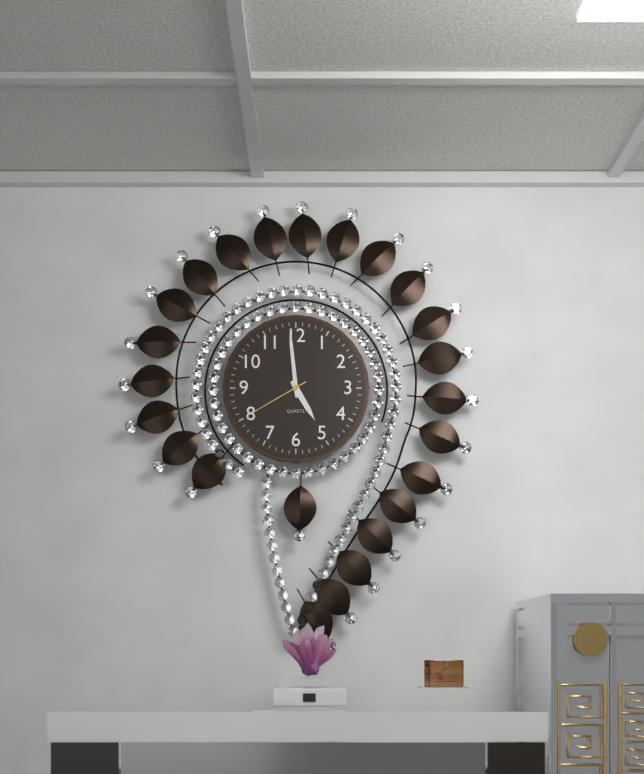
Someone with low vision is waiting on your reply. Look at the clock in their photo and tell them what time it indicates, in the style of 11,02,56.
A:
4,59,40
